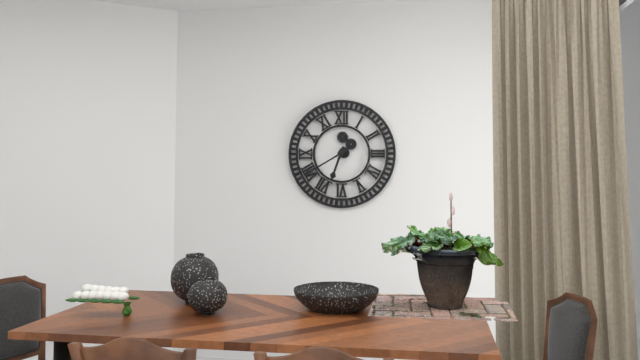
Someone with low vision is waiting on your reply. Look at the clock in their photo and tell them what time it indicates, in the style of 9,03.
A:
6,40
